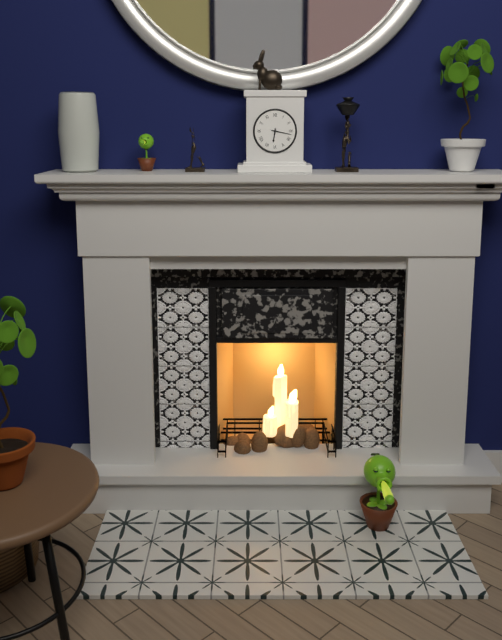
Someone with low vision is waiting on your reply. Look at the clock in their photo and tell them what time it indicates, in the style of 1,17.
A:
6,17
